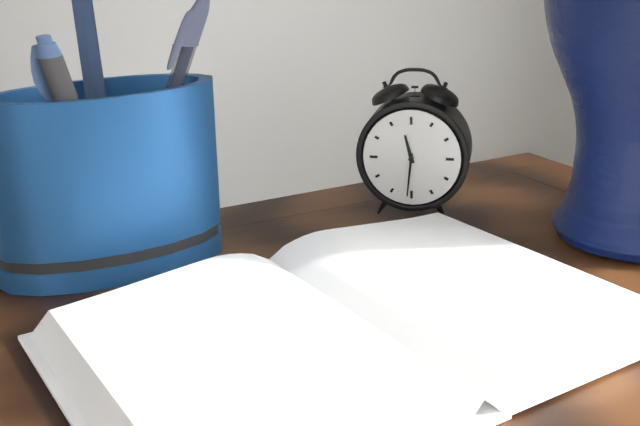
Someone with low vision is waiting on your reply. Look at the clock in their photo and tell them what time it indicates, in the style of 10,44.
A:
11,31
